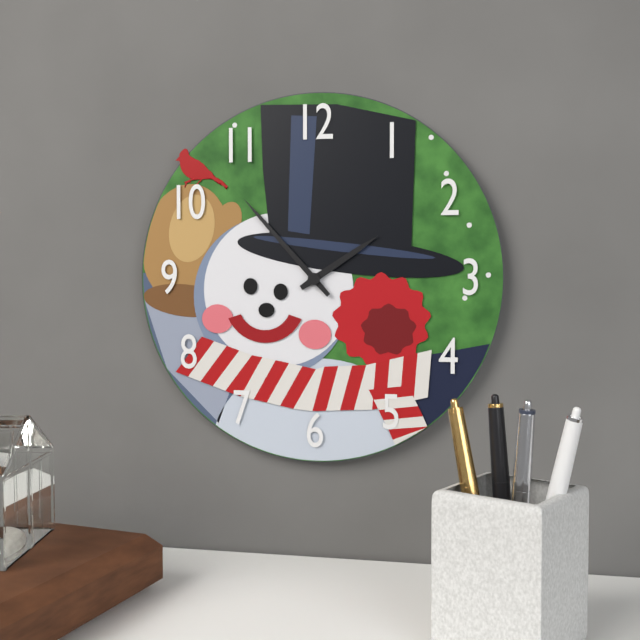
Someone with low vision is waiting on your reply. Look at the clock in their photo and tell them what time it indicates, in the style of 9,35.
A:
1,53
